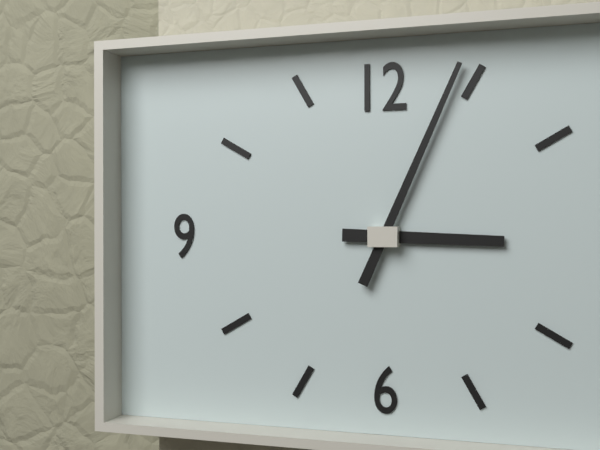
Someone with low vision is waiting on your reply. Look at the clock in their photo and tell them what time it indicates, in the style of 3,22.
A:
3,04
